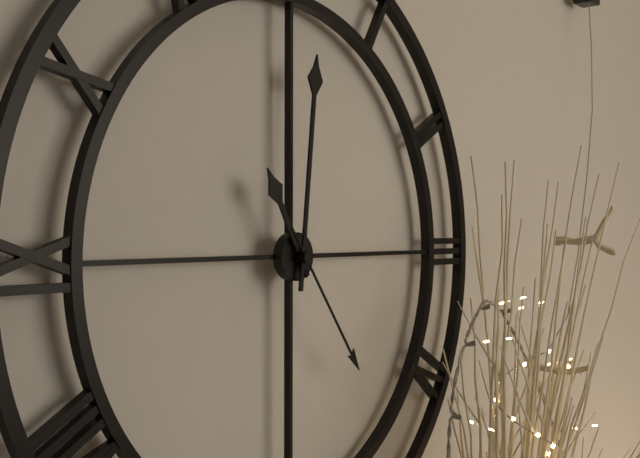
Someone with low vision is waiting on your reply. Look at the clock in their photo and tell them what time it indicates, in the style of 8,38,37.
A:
11,01,24
